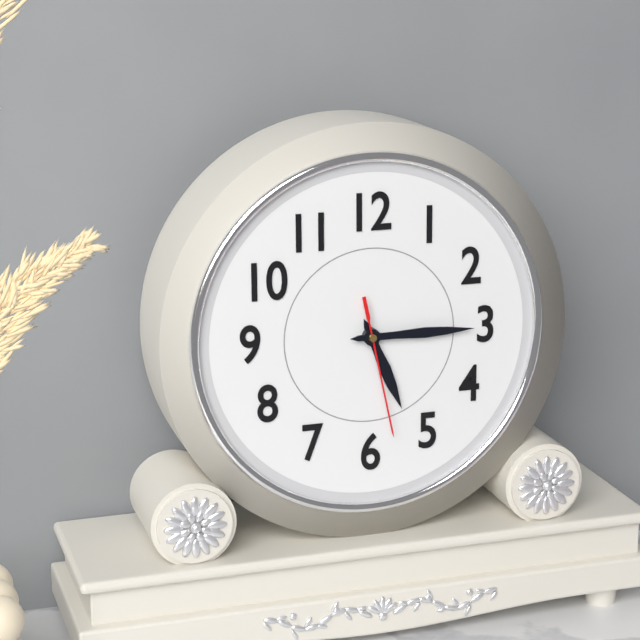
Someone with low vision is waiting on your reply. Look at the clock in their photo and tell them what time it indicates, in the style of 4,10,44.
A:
5,15,28
